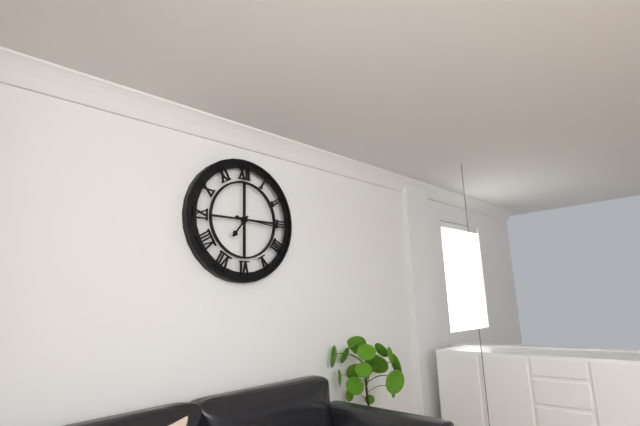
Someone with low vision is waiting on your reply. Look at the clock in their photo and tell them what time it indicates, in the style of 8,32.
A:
7,16
